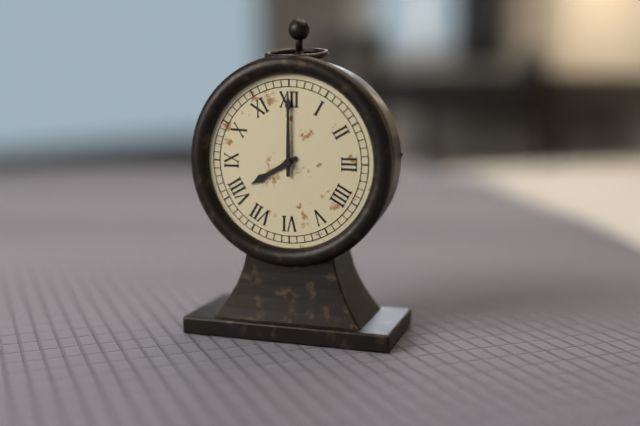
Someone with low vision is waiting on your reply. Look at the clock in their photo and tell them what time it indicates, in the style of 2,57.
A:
8,00
